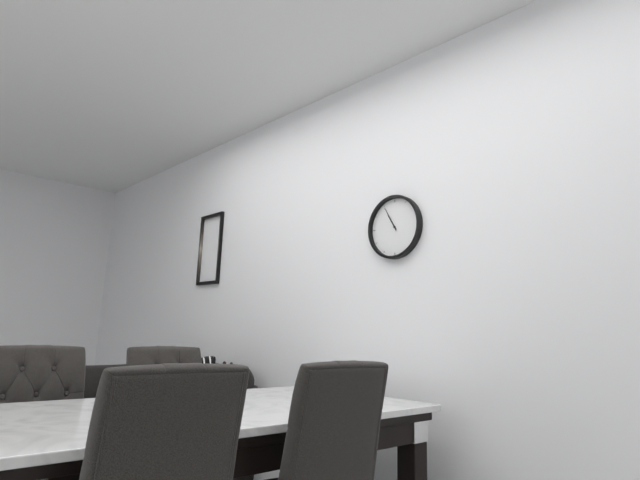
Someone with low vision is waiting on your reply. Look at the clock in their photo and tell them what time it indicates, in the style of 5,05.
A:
10,55
